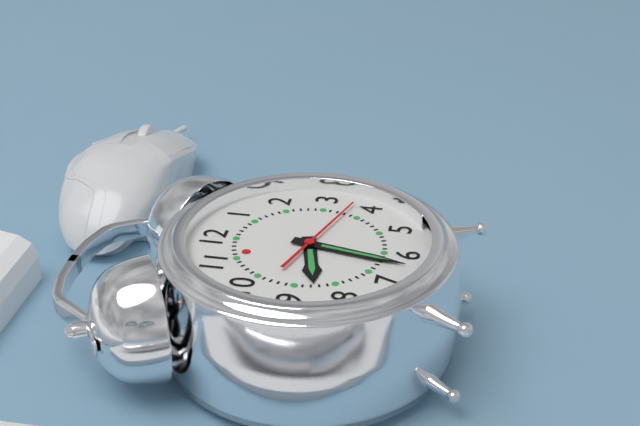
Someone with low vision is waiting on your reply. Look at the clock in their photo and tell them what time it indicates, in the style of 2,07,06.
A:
8,32,18
